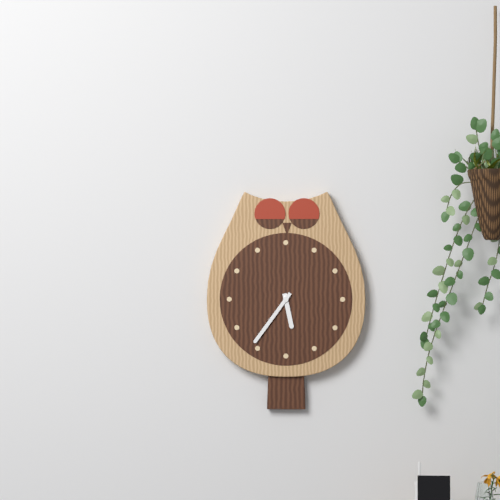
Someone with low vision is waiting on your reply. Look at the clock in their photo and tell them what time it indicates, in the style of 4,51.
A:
5,36
